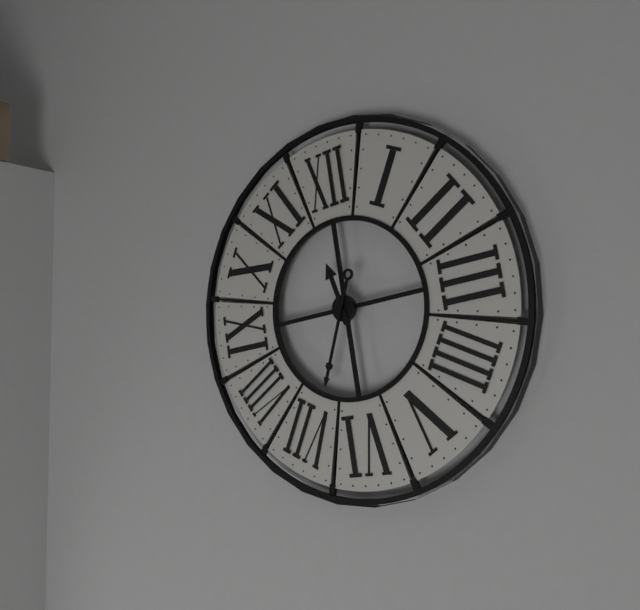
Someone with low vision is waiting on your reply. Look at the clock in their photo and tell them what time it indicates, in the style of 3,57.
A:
11,34
